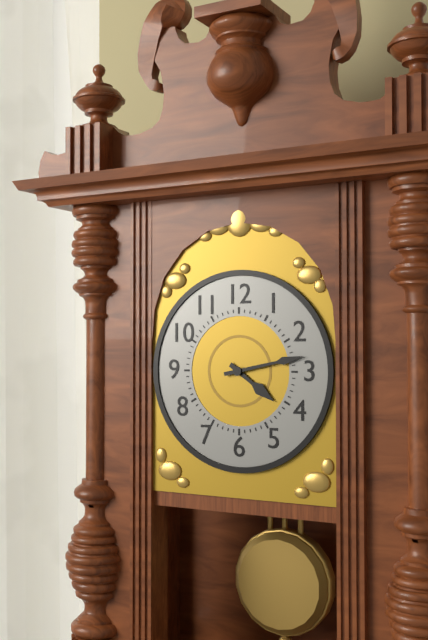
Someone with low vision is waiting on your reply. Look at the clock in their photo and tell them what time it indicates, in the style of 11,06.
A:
4,13
